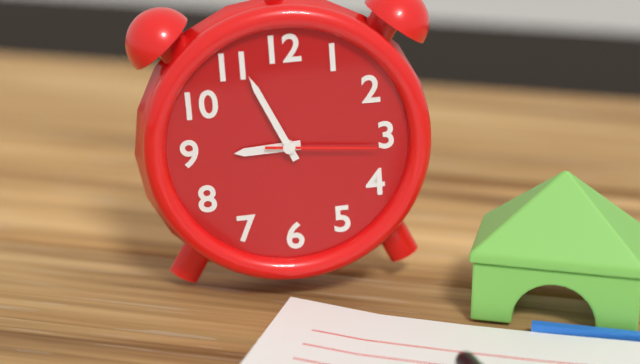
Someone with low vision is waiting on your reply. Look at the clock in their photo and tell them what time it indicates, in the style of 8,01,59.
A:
8,56,16
